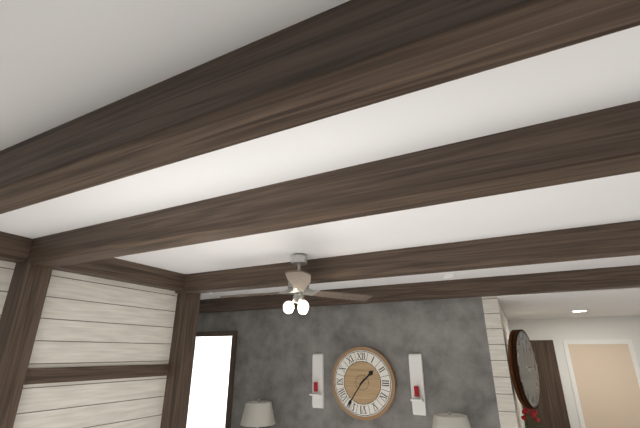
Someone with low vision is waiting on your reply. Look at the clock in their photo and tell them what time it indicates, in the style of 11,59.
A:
1,36
